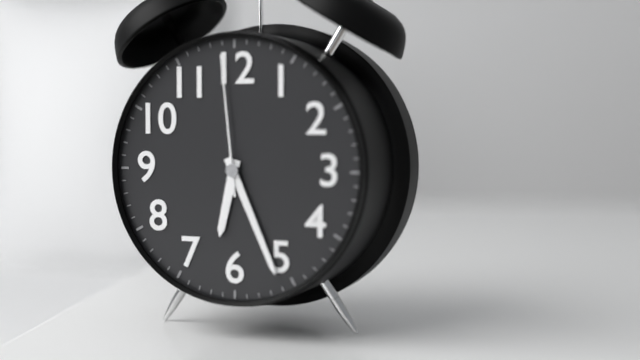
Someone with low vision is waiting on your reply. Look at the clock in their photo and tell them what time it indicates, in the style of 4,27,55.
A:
6,26,59
